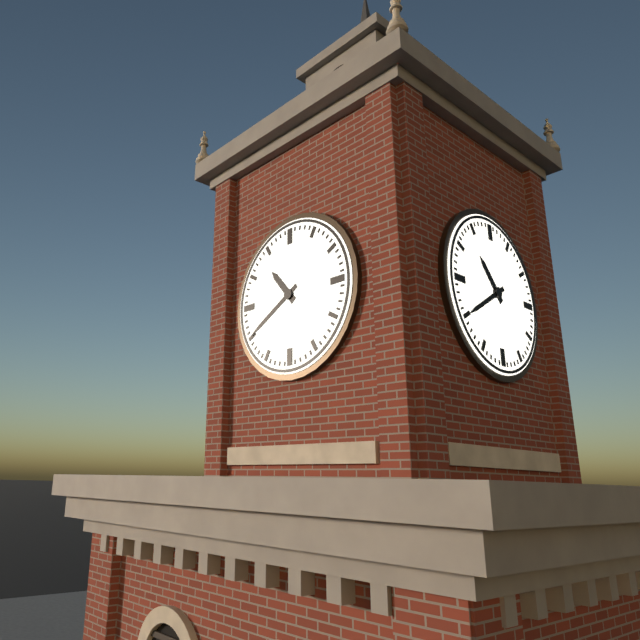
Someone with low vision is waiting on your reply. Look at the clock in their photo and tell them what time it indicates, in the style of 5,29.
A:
10,40
